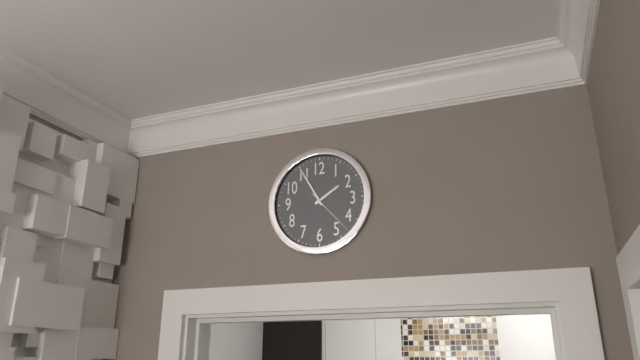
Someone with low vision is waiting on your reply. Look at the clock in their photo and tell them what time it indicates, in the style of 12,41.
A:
1,55
